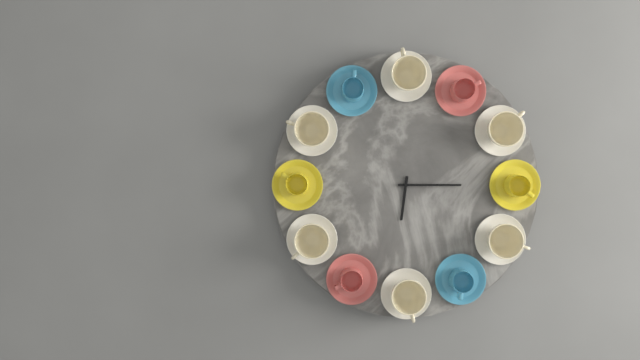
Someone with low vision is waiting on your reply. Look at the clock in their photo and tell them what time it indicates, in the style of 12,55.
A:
6,15
